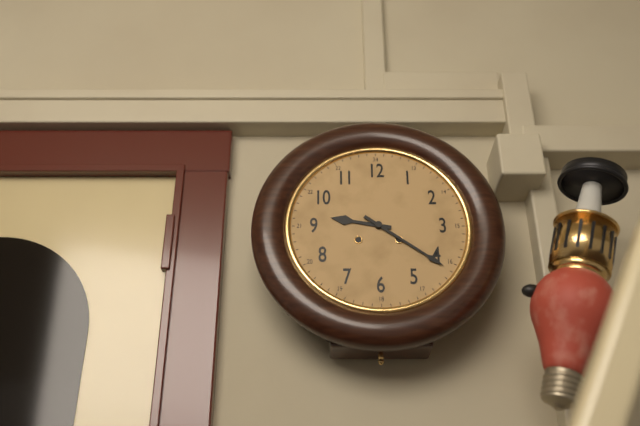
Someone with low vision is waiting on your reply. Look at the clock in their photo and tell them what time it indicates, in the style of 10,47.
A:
9,21
